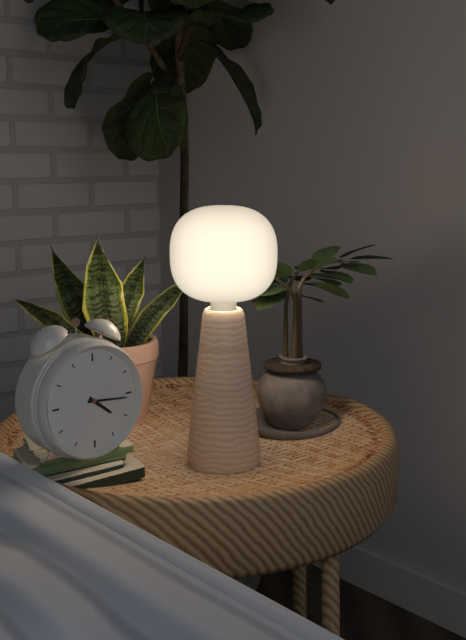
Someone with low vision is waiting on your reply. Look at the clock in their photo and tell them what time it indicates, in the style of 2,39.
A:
4,16
